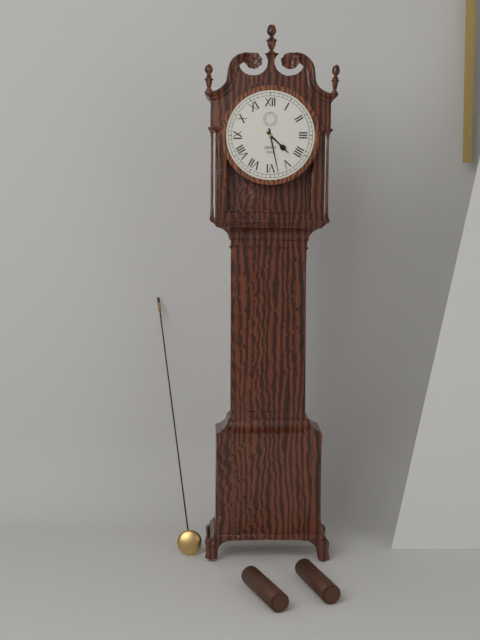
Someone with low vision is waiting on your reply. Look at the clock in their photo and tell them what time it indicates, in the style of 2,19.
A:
4,28
